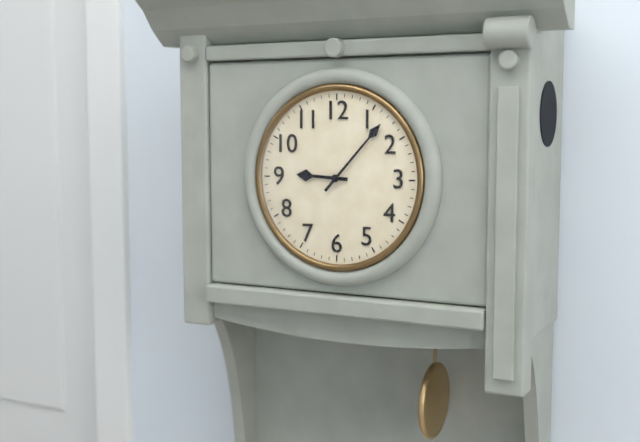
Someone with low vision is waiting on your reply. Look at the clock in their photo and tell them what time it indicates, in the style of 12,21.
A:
9,07
